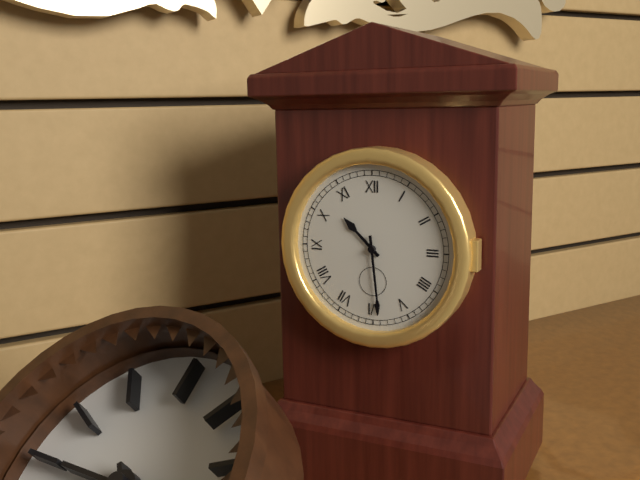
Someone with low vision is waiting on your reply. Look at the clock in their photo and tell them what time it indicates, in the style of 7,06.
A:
10,29
